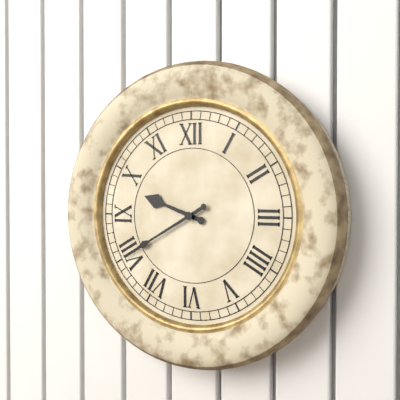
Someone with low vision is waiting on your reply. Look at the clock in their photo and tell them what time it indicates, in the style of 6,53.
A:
9,40
